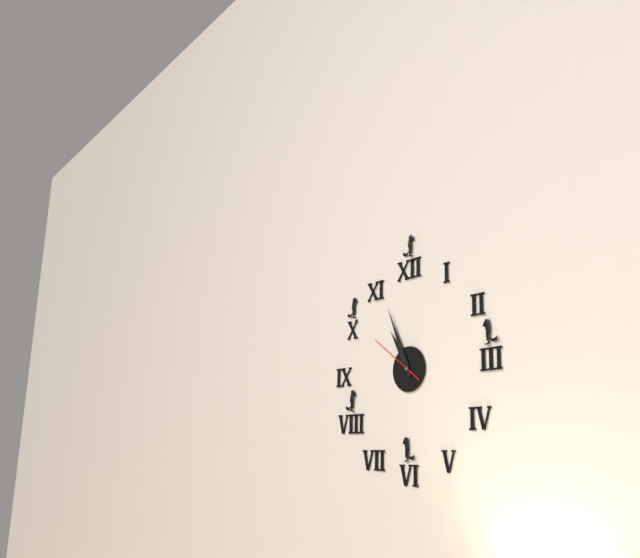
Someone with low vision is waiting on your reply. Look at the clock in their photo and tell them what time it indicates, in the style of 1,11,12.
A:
10,56,51
